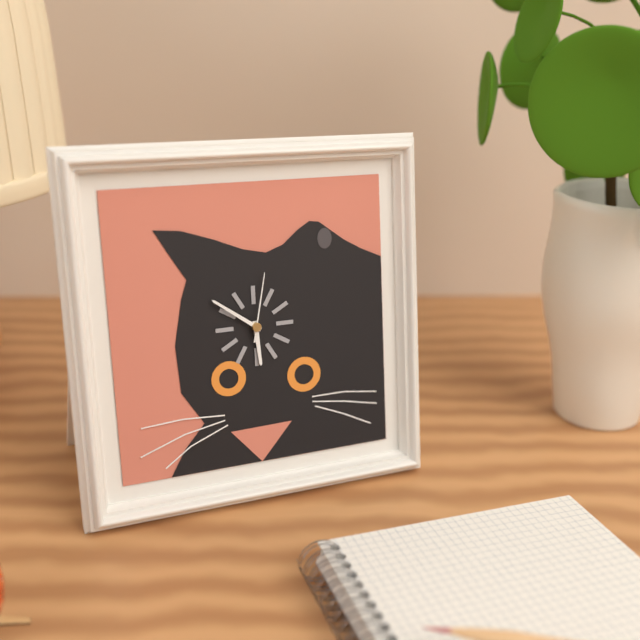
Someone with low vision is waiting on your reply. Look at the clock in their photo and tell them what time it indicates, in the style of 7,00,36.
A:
5,51,02
